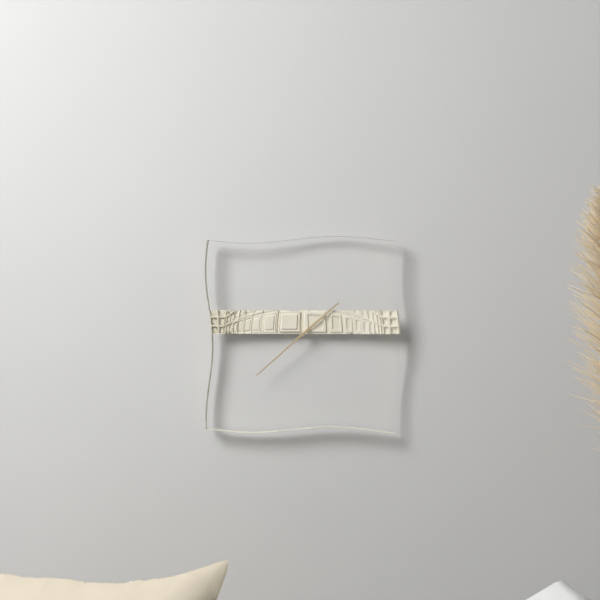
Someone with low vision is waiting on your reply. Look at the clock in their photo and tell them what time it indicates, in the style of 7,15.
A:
1,38
